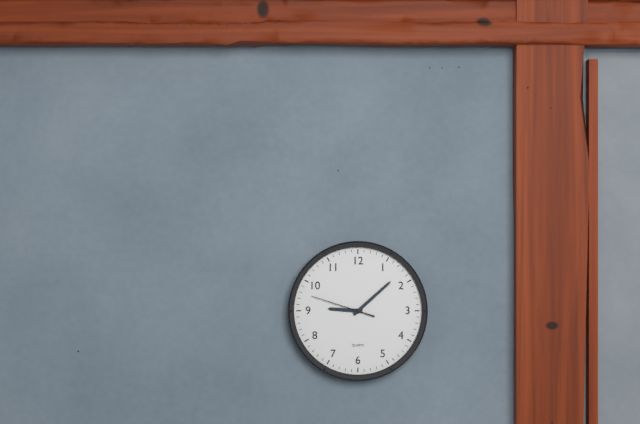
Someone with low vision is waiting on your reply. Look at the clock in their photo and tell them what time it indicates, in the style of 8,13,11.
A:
9,08,48
